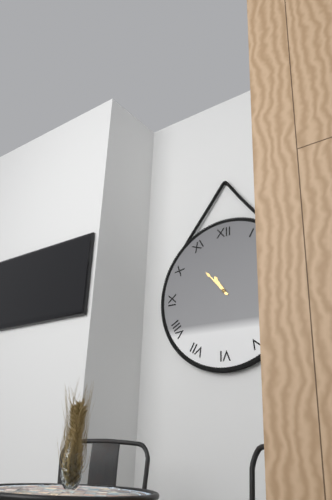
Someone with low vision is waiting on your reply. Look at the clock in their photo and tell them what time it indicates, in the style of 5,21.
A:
10,53
